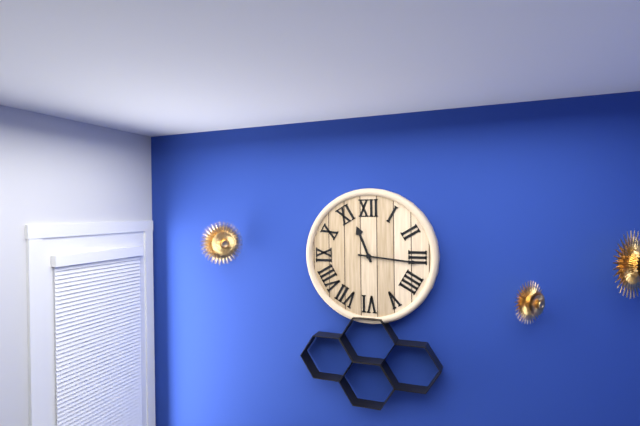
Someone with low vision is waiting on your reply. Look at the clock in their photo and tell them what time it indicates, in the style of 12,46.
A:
11,16
